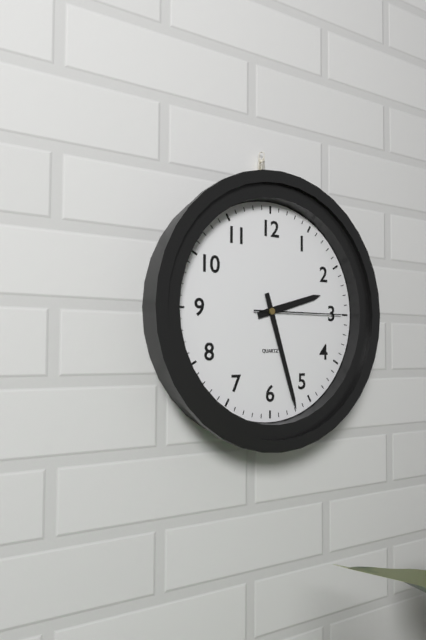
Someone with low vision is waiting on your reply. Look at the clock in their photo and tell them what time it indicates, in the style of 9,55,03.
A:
2,27,15
